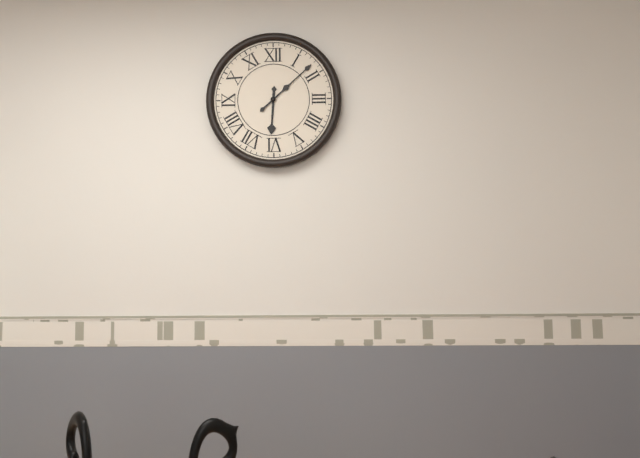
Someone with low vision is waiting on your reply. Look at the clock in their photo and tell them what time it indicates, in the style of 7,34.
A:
6,08
